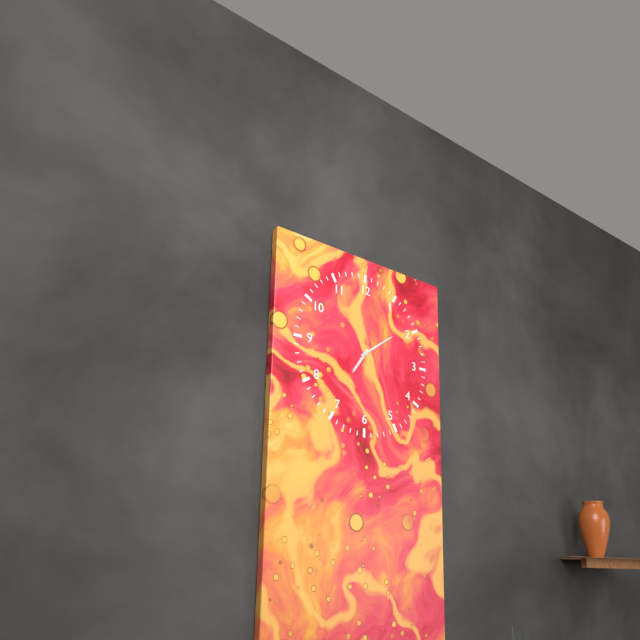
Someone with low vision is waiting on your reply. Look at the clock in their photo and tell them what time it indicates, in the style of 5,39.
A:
7,09
